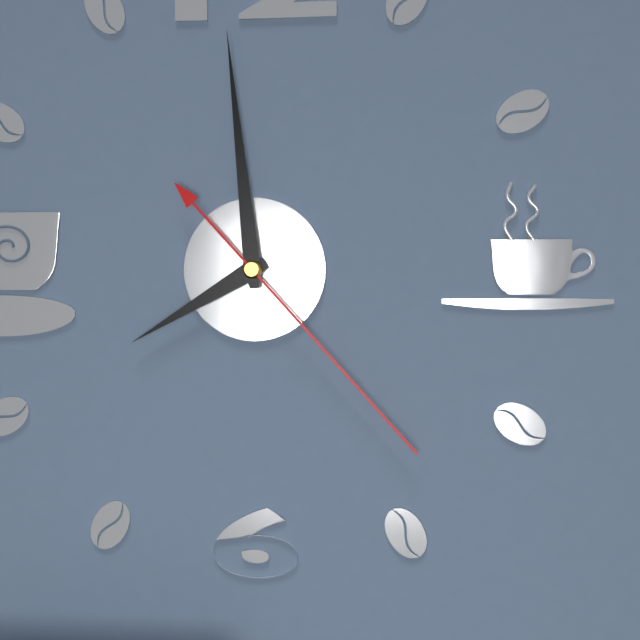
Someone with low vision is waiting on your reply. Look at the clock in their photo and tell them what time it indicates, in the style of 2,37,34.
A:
7,59,23
